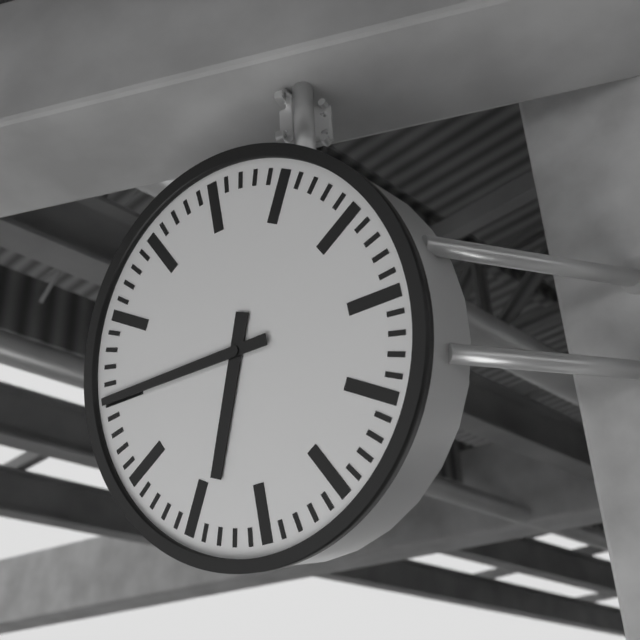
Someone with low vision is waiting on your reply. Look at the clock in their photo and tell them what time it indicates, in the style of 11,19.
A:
6,45
